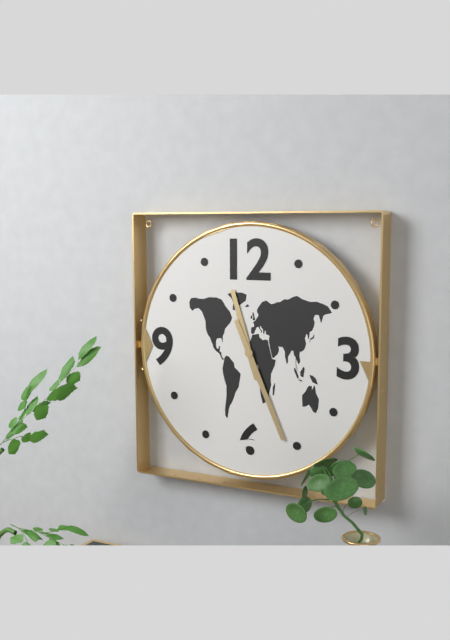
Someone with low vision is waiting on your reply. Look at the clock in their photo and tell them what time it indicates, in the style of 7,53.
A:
11,26
